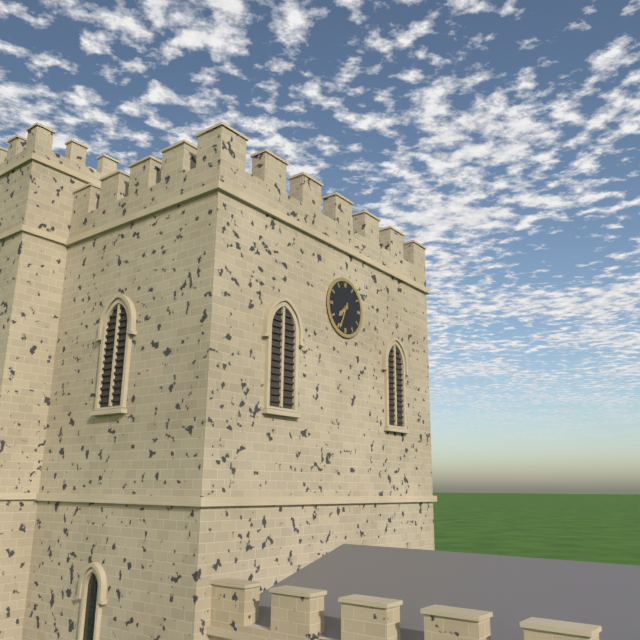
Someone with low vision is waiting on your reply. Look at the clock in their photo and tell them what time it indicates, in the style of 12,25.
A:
7,34
